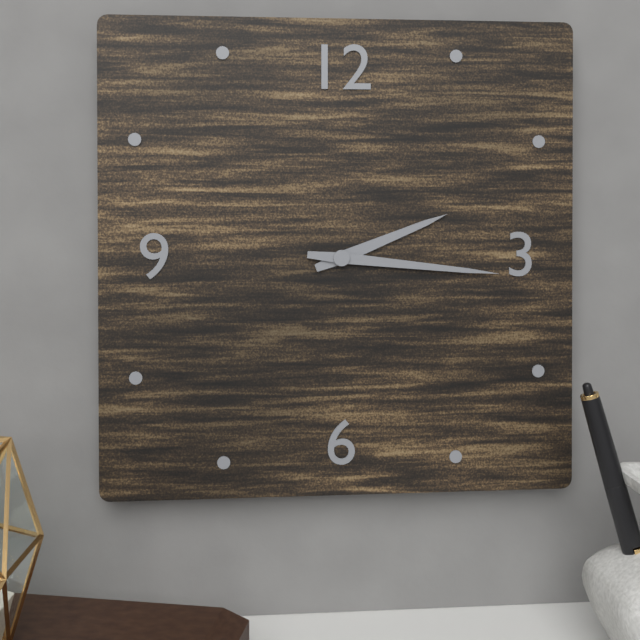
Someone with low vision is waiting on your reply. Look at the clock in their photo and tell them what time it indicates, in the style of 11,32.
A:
2,16
